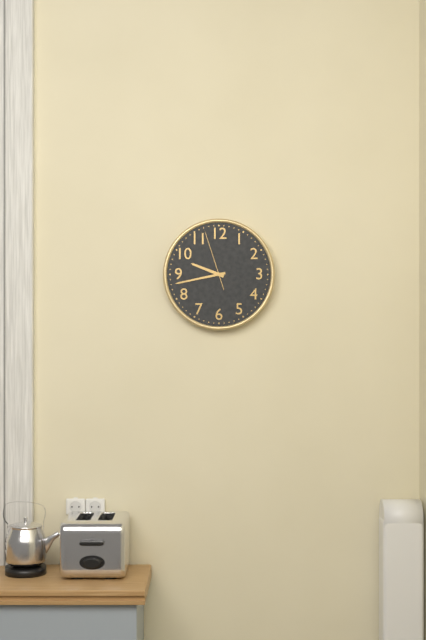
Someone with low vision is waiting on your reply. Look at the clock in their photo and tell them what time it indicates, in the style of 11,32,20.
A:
9,43,57
